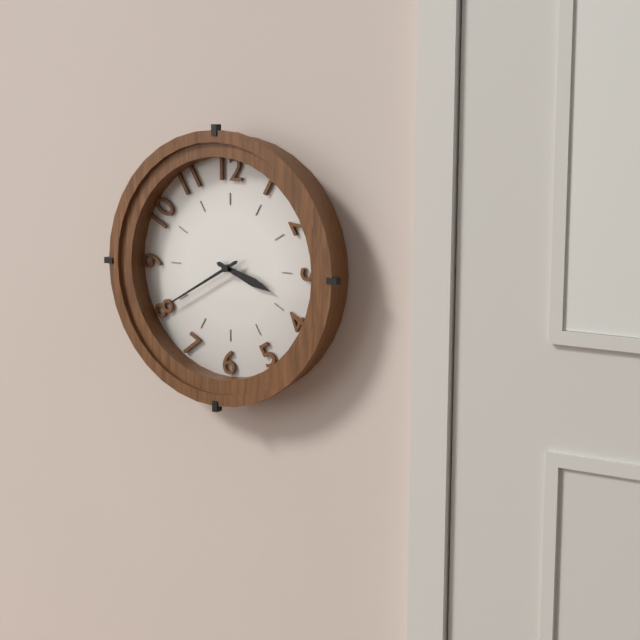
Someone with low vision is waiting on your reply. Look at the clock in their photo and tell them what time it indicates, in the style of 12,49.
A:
3,40
